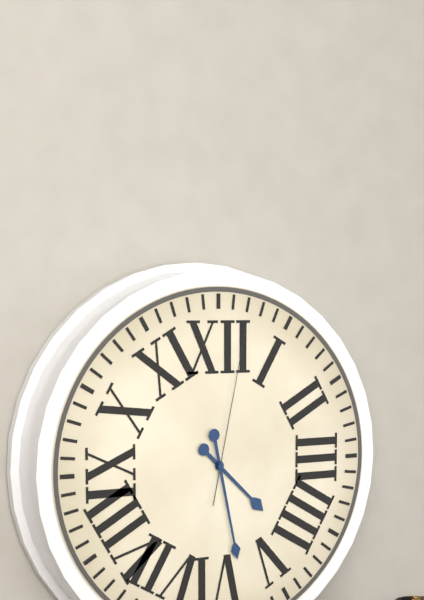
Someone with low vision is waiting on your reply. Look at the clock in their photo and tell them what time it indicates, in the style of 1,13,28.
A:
4,28,02
